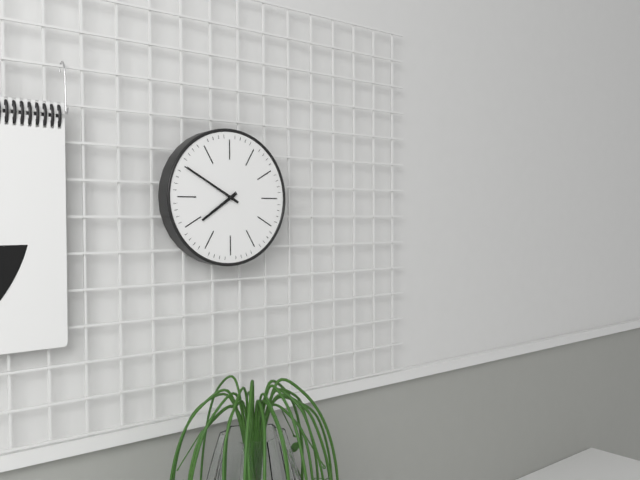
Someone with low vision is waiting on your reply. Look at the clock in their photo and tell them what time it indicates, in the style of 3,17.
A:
7,50
